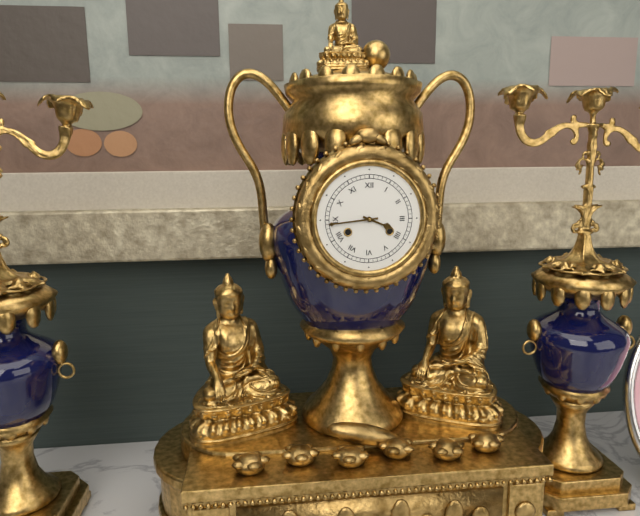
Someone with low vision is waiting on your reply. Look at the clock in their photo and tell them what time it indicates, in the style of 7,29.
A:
3,44
